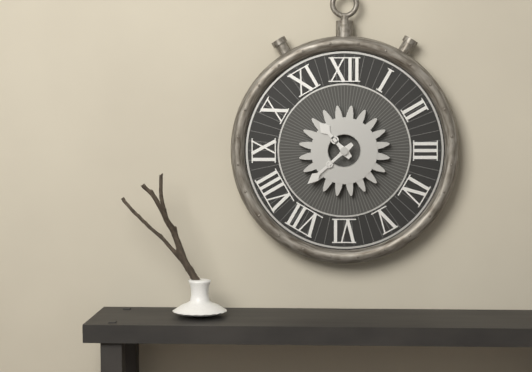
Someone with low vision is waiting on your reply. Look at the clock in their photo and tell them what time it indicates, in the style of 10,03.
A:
10,38
